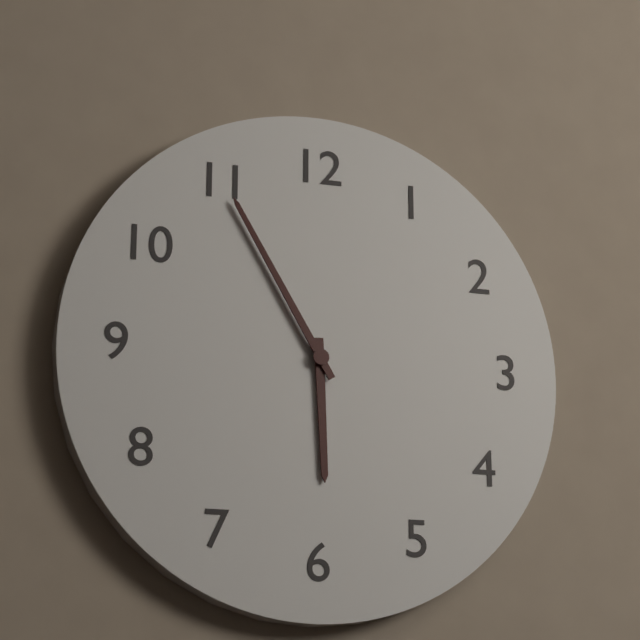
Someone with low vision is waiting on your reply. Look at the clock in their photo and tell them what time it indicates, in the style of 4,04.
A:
5,55
